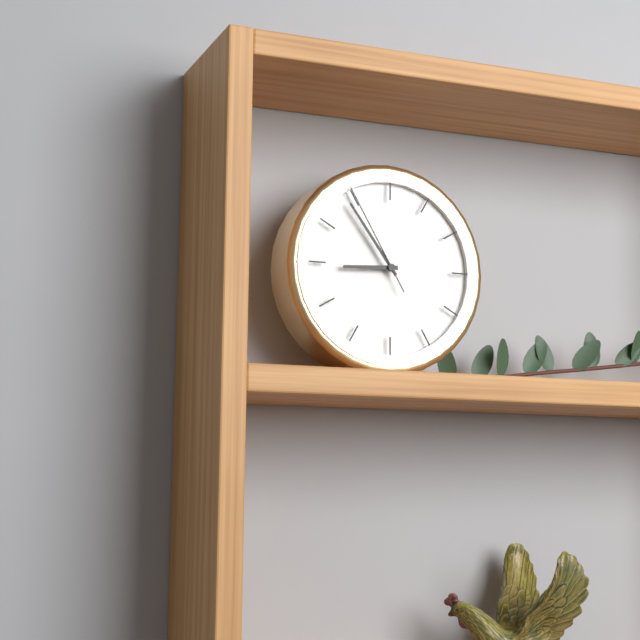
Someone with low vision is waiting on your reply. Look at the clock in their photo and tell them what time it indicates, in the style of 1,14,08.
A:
8,54,55
